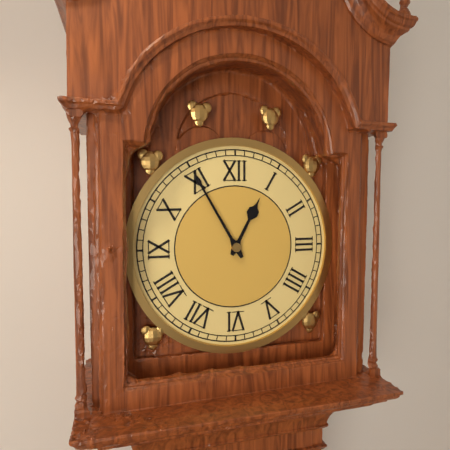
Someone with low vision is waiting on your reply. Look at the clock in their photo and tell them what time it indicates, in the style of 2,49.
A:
12,55
